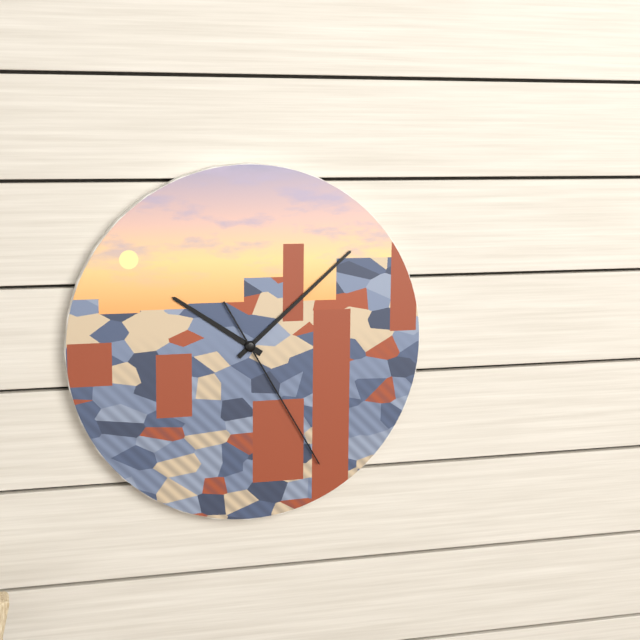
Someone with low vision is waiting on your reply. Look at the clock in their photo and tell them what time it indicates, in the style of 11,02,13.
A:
10,08,25
